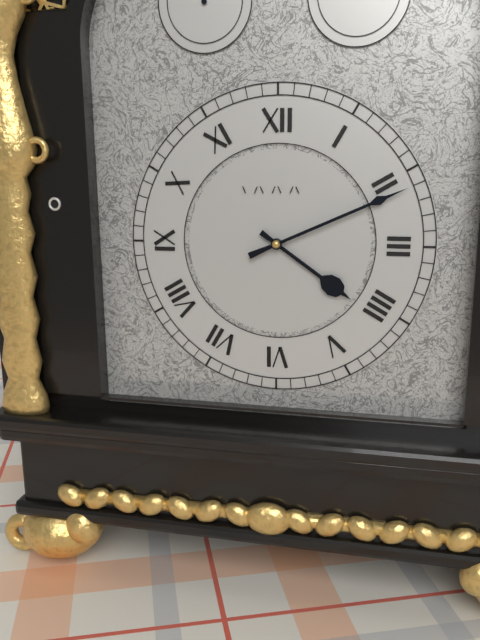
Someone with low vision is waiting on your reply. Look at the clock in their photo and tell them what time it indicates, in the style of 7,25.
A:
4,11
